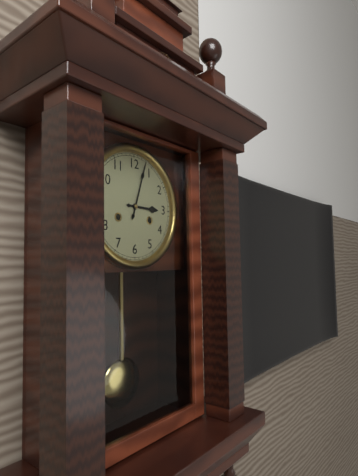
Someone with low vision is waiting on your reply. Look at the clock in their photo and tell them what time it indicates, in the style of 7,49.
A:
3,03
